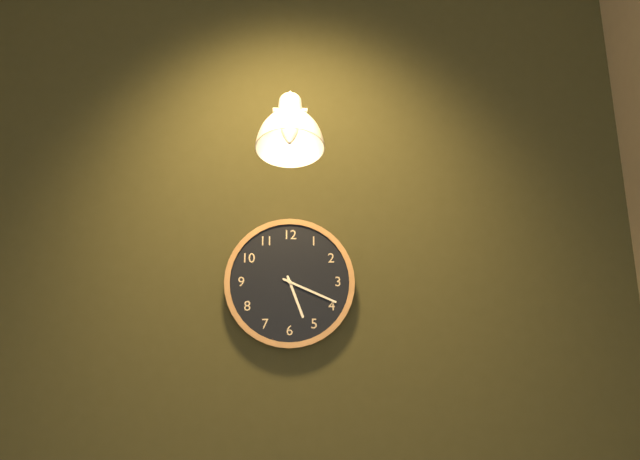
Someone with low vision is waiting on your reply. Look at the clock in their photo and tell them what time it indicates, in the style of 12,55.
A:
5,19
